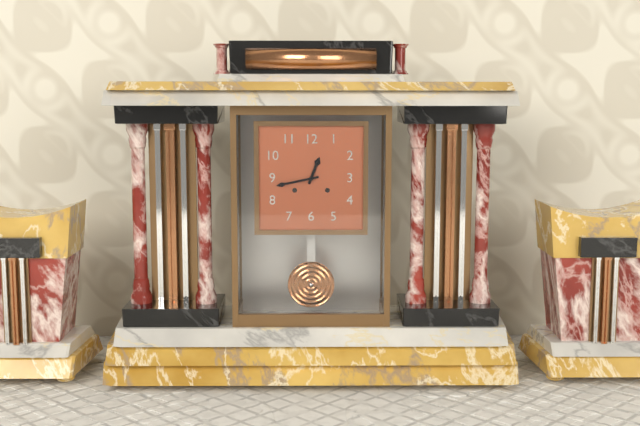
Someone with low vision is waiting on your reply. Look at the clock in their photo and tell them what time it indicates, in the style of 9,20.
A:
12,43
